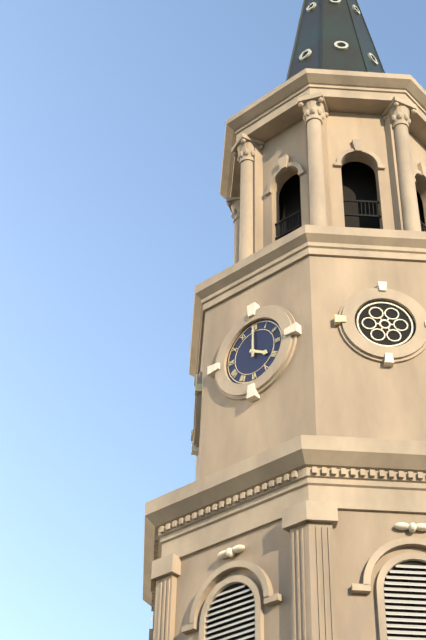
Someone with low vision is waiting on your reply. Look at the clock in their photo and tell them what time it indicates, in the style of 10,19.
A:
4,00
